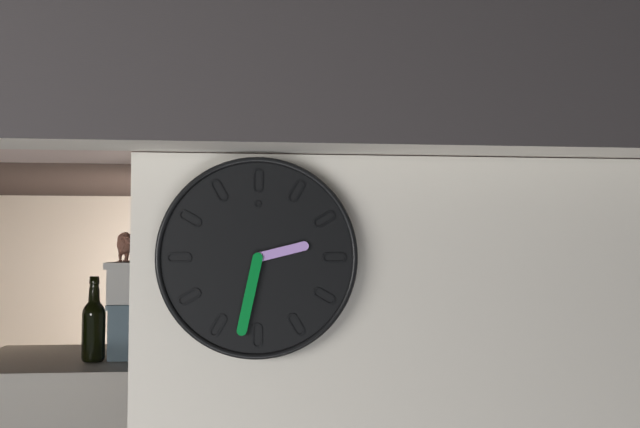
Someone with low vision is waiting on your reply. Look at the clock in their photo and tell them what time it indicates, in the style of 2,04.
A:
2,32
